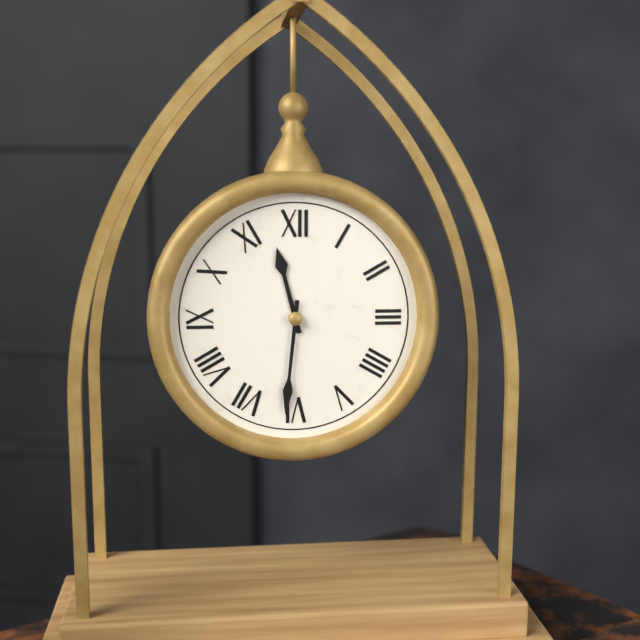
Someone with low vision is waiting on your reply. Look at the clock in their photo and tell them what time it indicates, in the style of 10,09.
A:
11,31
